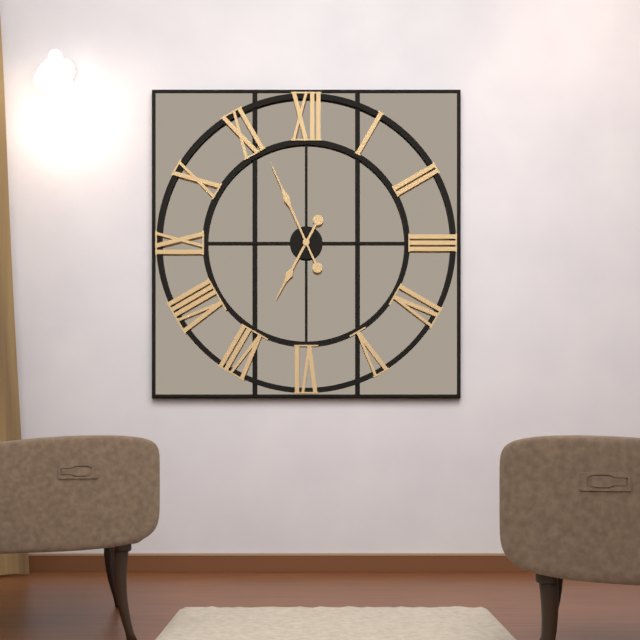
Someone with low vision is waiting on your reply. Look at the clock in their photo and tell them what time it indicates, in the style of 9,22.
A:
6,56
